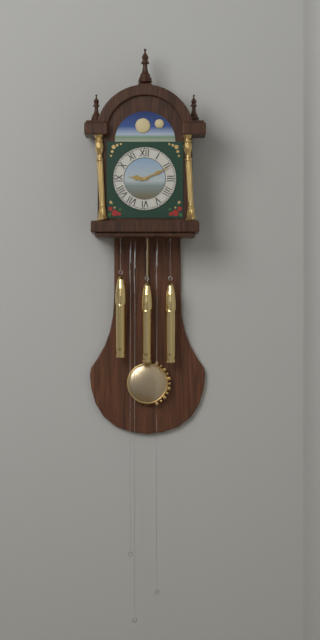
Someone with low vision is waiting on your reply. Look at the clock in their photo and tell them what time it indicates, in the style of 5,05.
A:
9,11
